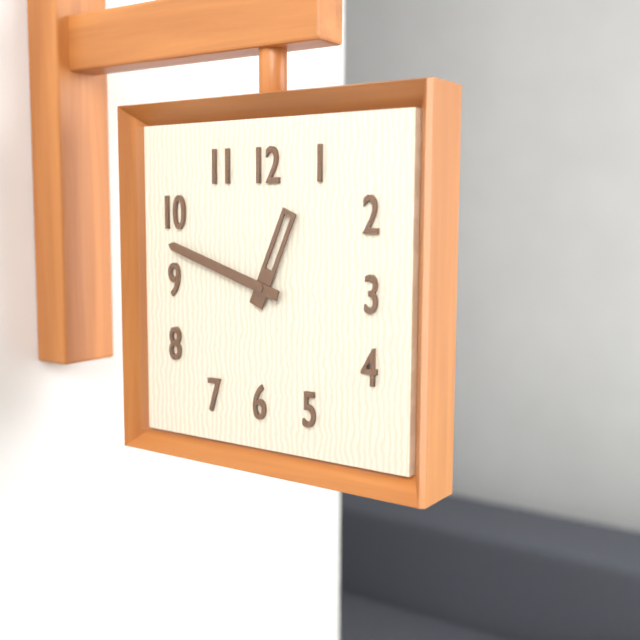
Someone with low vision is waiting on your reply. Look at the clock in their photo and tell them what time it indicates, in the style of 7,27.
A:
12,48
